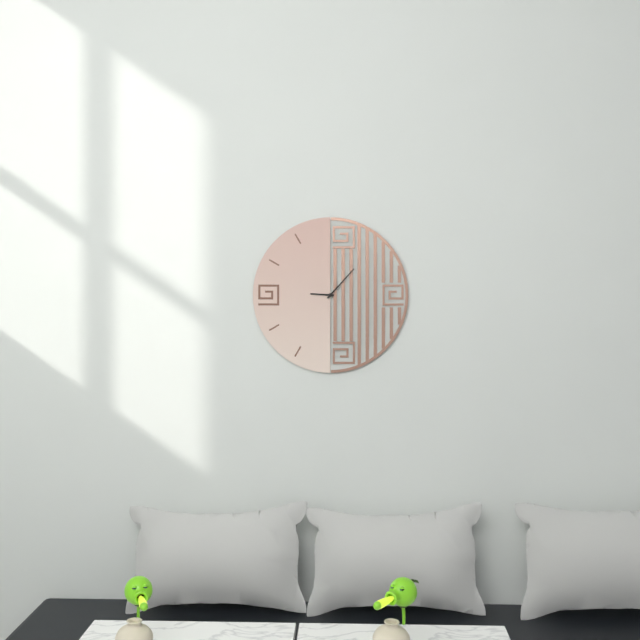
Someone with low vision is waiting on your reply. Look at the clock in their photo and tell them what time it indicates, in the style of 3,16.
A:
9,07
